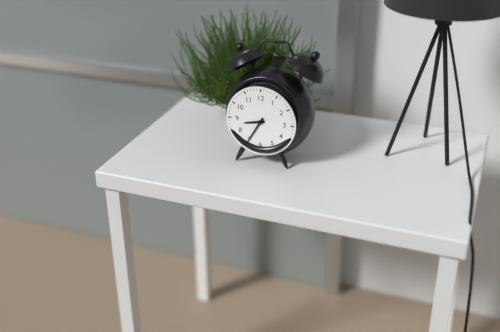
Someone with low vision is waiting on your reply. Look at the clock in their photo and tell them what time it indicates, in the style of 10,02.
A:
8,35
